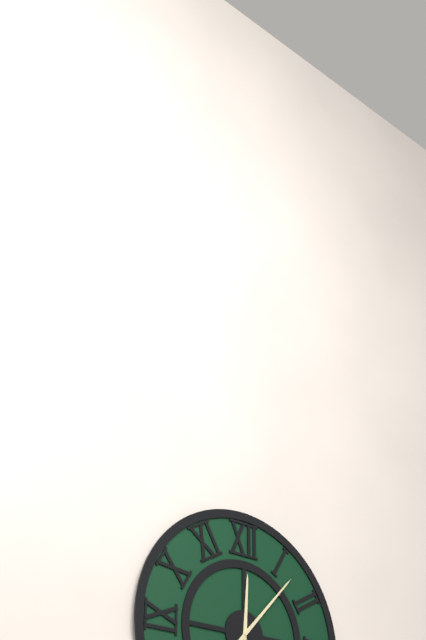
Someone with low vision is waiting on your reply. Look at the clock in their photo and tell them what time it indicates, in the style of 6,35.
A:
12,07
